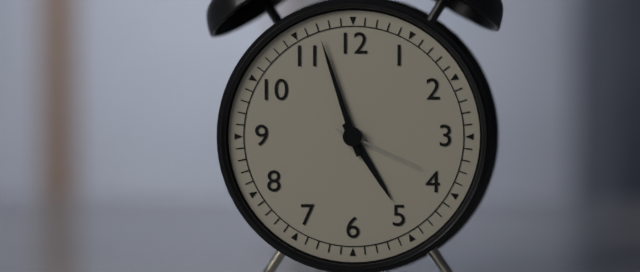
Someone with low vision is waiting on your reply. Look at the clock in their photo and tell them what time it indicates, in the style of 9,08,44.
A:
4,57,19
